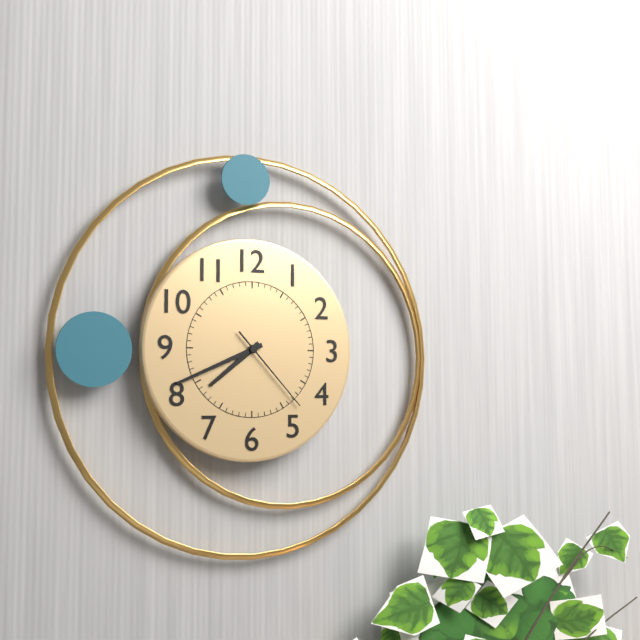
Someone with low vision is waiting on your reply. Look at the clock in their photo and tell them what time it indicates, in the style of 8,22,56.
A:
7,41,23
